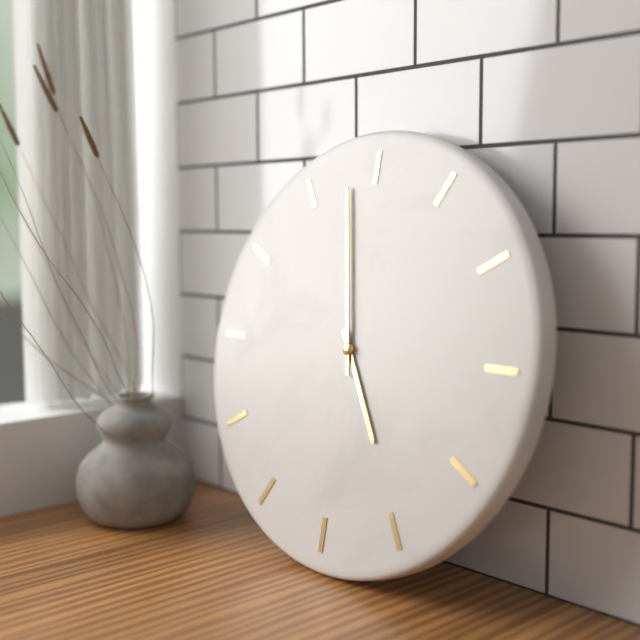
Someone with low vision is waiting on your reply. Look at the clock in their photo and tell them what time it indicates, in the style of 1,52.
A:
4,58
